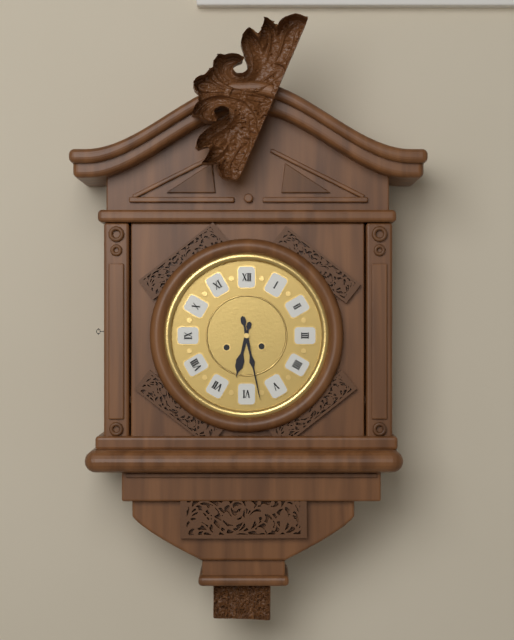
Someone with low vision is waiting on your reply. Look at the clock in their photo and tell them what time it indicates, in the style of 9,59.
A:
6,28
